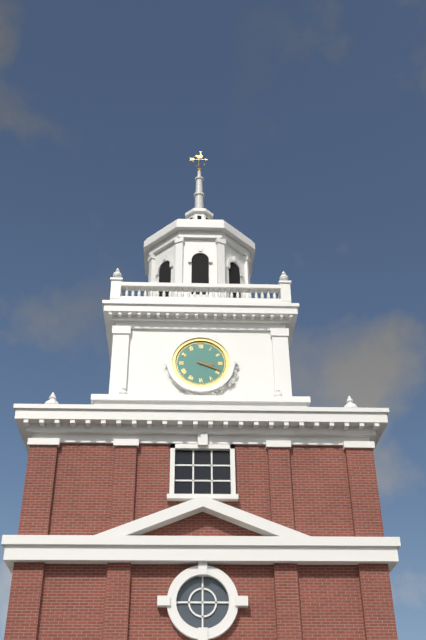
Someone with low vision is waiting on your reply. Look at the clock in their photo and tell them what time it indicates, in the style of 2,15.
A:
3,19
